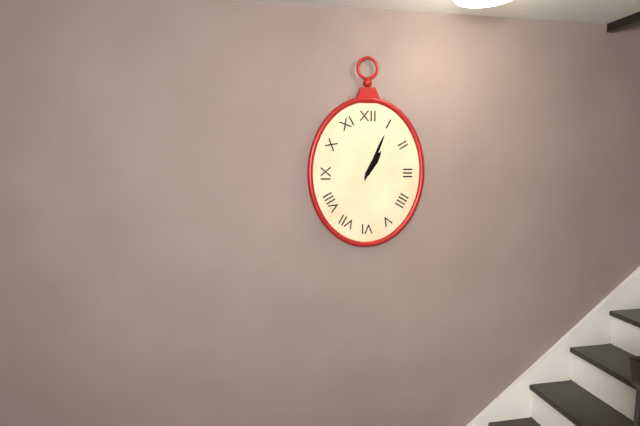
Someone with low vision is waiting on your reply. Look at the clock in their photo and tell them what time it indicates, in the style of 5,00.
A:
1,04
